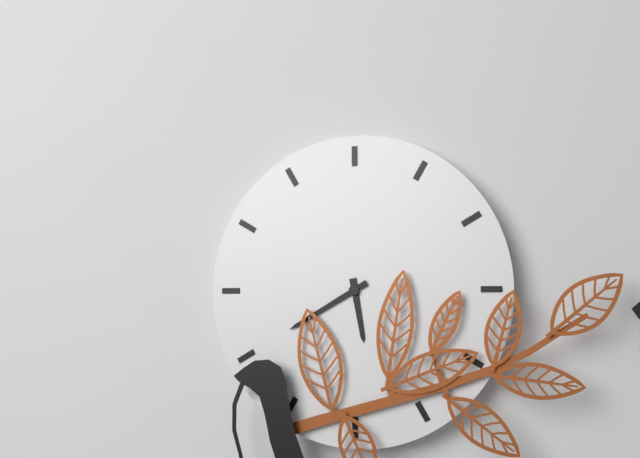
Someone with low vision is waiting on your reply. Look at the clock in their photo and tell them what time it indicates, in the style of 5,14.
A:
5,40
